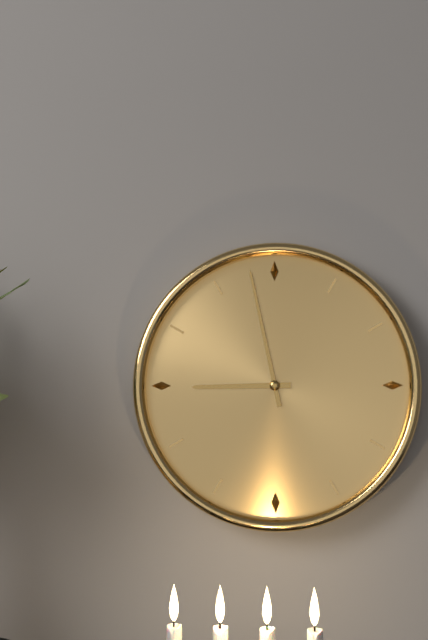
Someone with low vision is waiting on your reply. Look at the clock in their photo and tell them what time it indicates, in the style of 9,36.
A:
8,58
